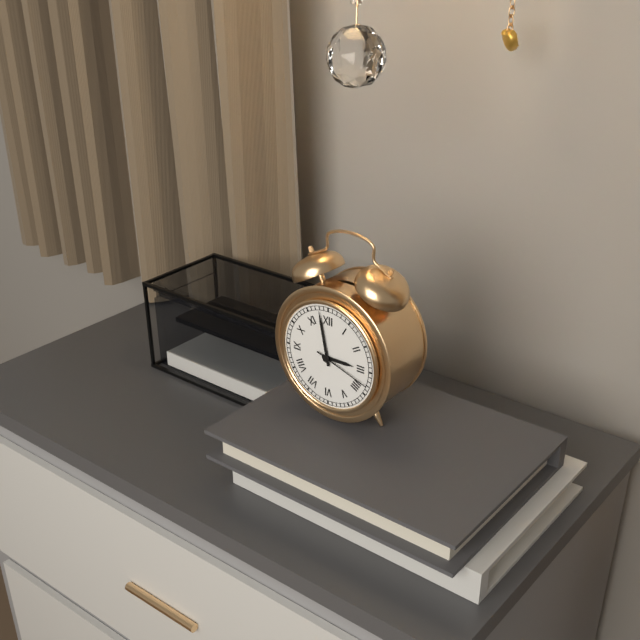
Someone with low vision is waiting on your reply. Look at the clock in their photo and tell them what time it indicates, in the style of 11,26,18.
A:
2,58,18
